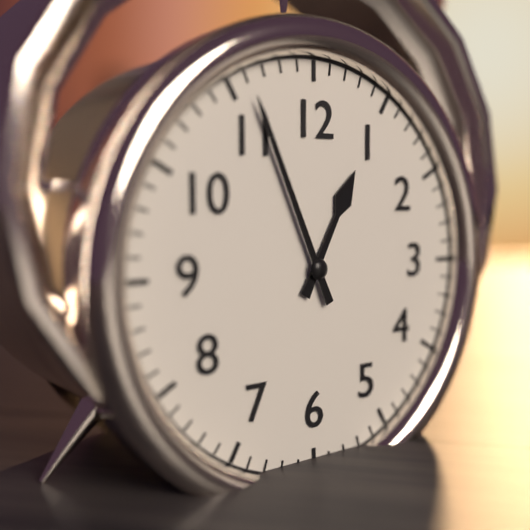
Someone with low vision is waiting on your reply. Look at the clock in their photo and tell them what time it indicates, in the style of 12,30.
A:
12,56
